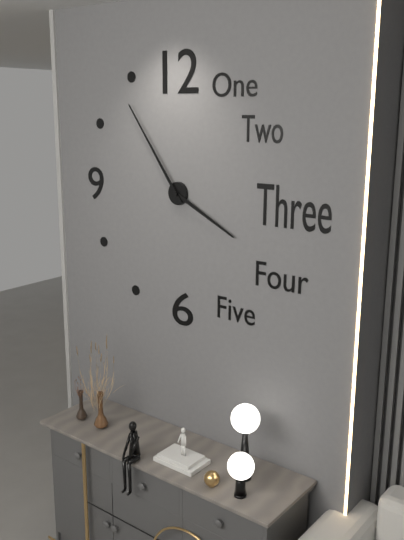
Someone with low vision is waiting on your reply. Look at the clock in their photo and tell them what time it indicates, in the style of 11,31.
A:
3,54
